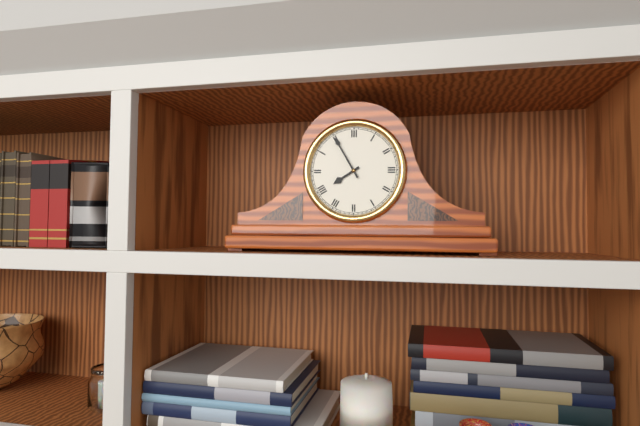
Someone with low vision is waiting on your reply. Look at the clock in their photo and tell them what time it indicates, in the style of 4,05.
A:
7,55
